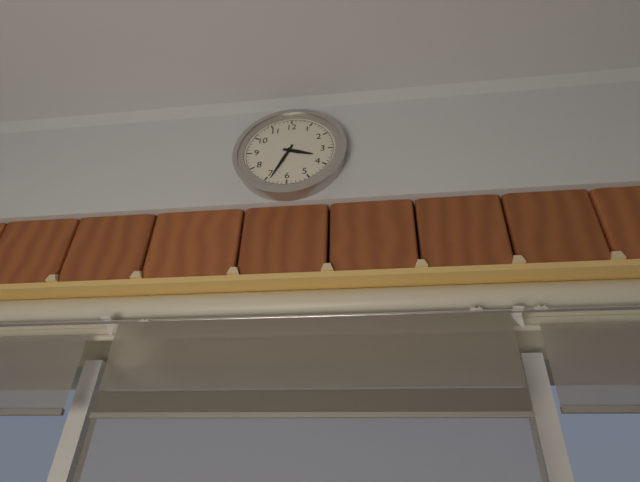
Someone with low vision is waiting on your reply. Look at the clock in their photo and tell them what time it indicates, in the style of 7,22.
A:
3,34
